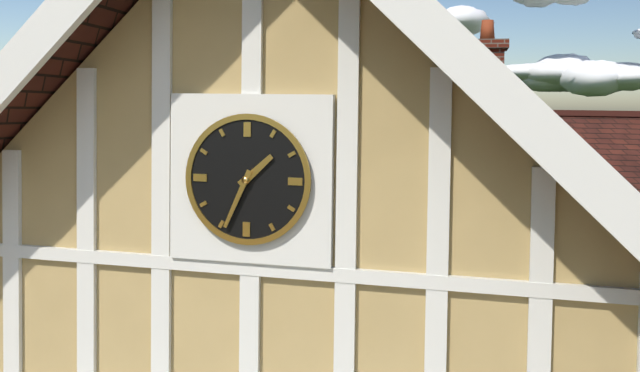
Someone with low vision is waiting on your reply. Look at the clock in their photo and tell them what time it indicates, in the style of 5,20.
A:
1,34
